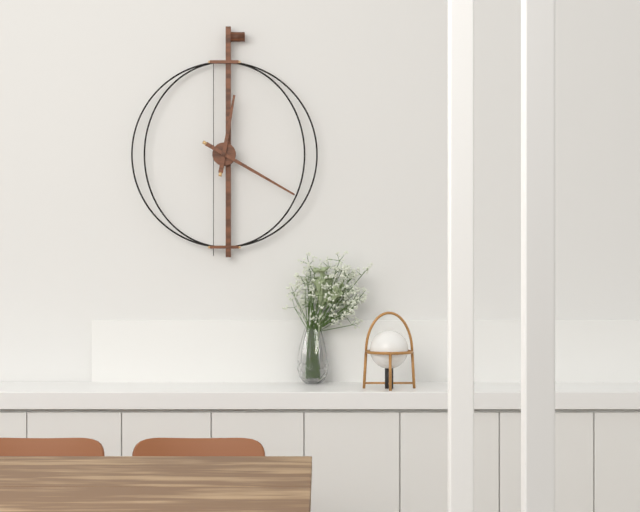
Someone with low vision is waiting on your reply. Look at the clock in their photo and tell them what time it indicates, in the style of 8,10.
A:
12,20
